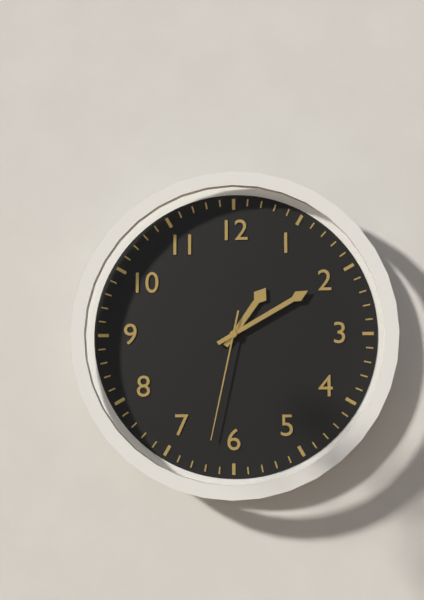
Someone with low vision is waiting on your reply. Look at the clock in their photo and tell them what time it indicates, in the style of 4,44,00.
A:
1,10,32
